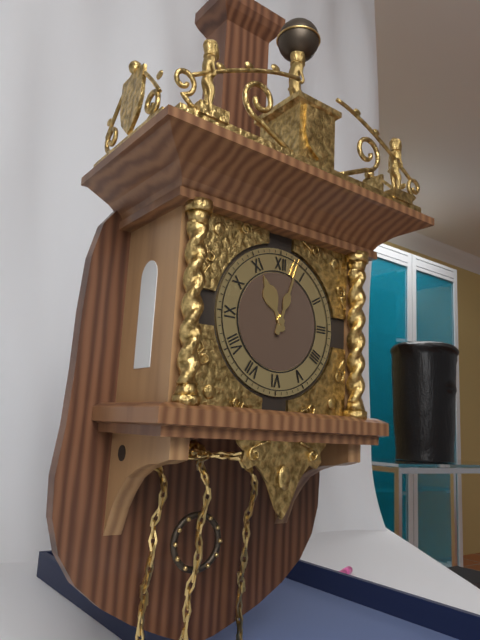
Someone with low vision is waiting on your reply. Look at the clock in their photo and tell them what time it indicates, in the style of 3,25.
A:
11,03
